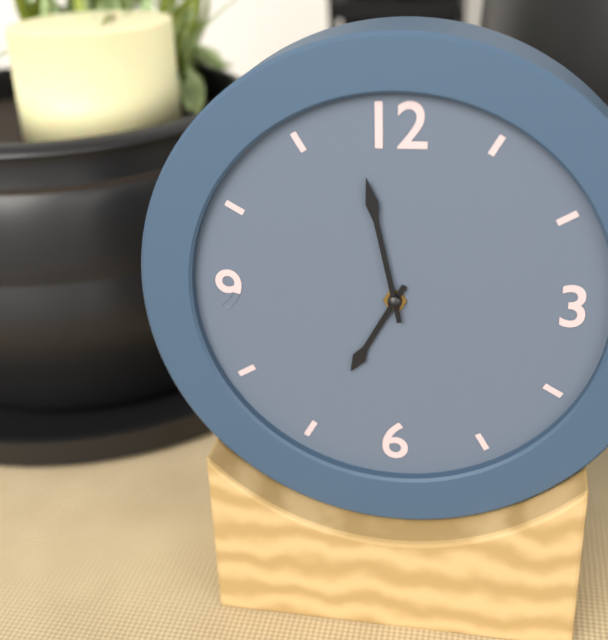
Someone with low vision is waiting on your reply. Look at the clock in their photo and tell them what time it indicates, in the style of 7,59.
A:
6,58
